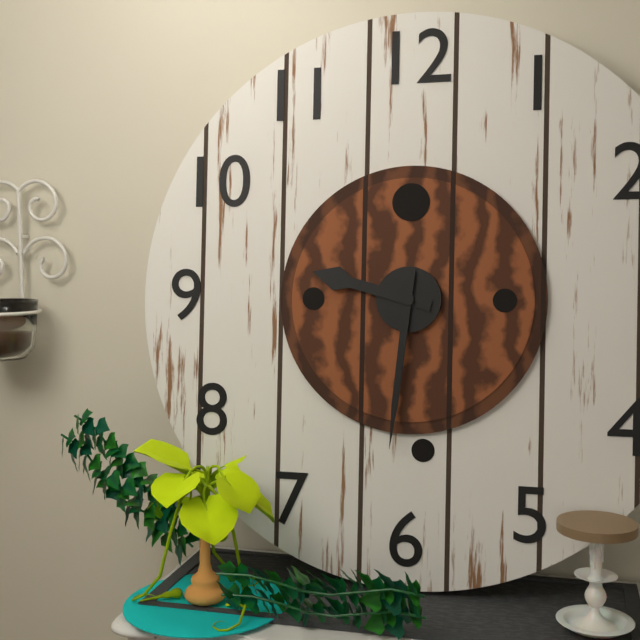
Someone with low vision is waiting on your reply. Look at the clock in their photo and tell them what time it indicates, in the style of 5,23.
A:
9,31
